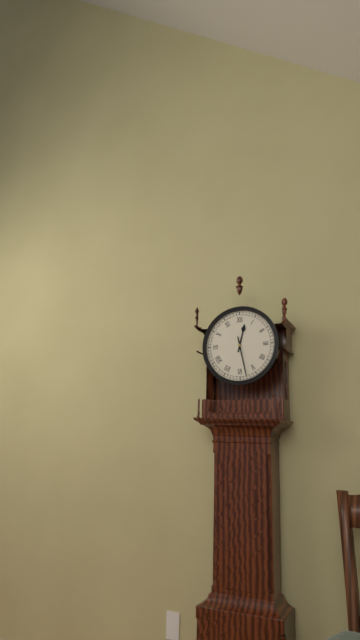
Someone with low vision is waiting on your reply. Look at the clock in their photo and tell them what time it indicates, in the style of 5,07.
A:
12,28
